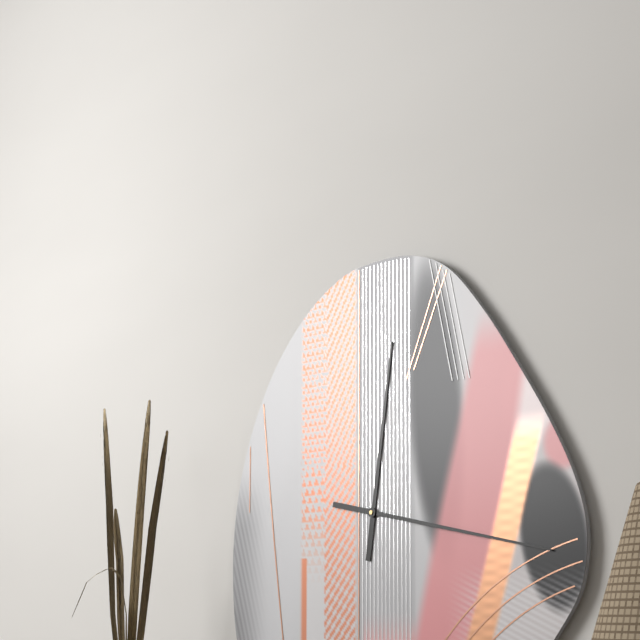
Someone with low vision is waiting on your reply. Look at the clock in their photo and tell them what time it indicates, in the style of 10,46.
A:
12,17
